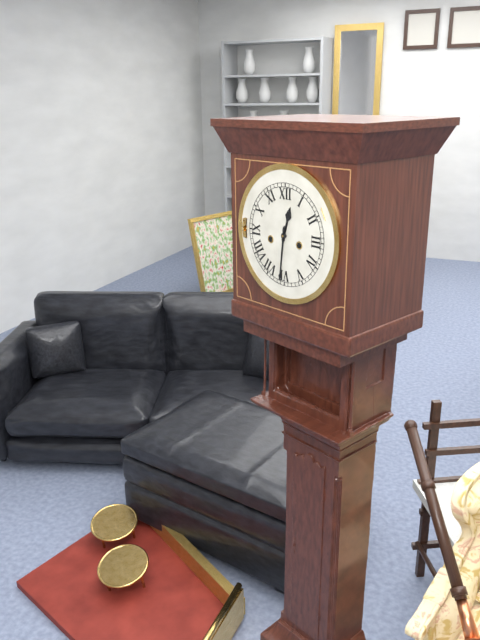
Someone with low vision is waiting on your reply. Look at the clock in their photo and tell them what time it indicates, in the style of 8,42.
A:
12,31
